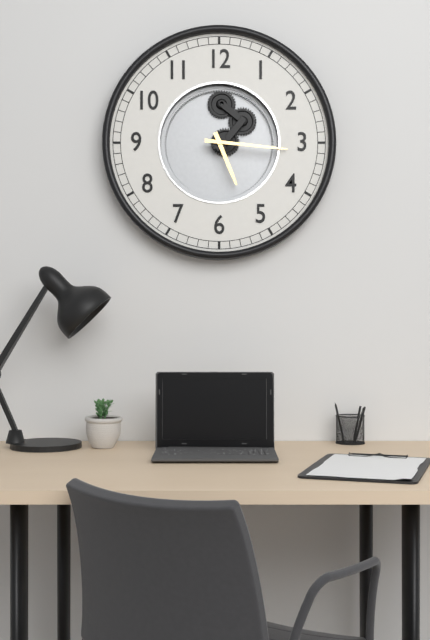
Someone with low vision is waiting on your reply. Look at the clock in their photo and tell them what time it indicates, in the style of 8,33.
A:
5,16
